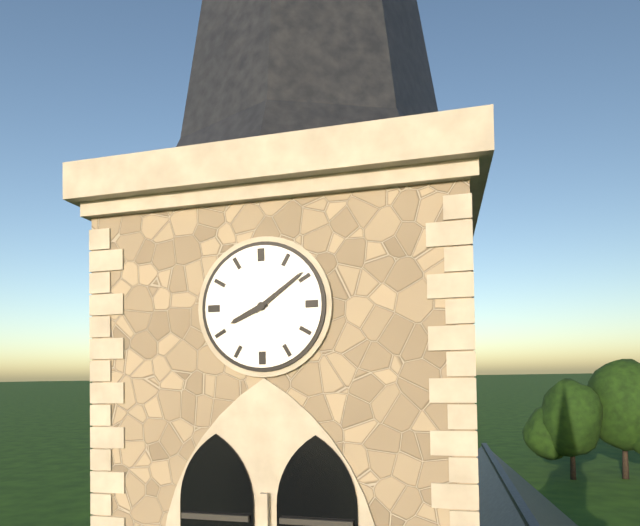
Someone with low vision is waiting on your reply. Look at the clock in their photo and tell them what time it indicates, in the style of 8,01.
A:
8,09
